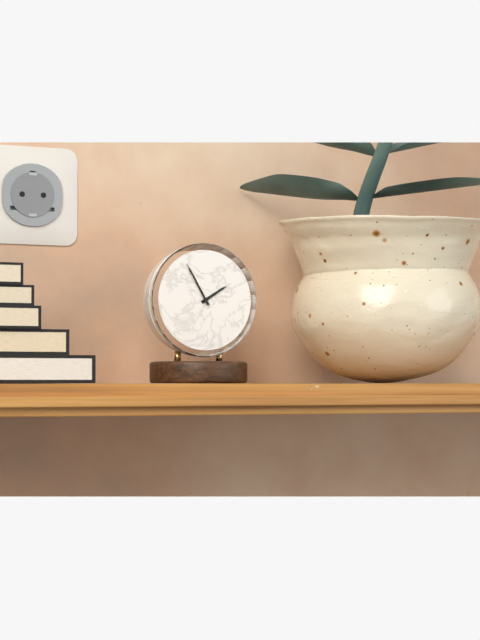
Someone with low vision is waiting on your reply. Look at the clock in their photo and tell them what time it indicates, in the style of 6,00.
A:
1,55
